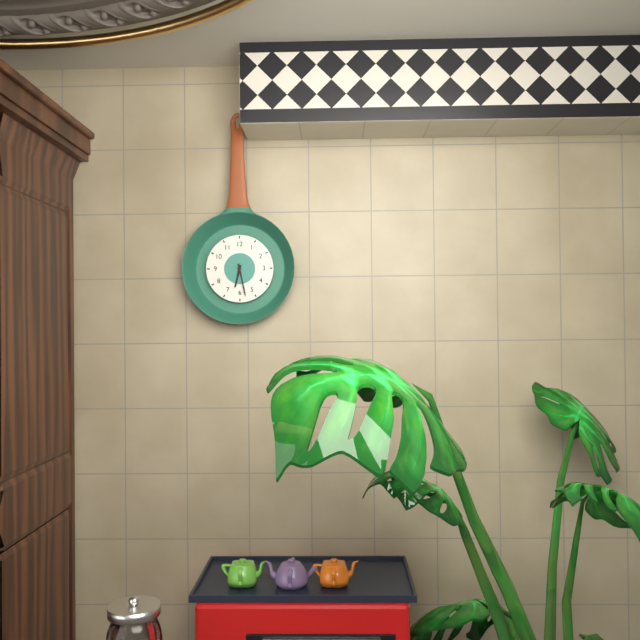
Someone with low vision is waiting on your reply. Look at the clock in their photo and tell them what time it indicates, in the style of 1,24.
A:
6,28
